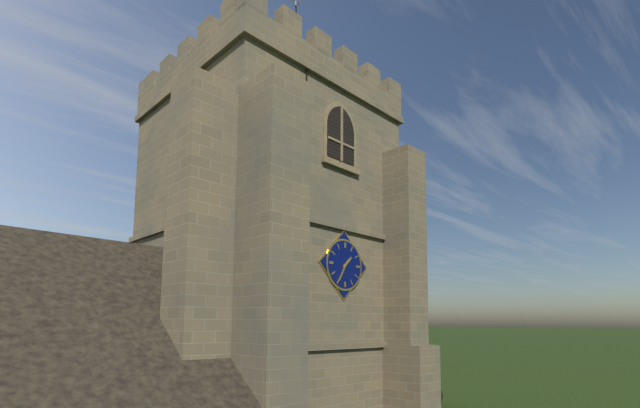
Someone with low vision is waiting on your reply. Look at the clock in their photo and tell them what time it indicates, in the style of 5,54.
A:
1,35
